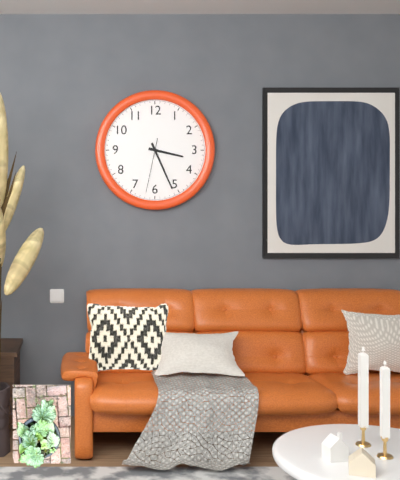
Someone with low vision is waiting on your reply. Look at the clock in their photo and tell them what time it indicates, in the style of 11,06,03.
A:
3,26,32
